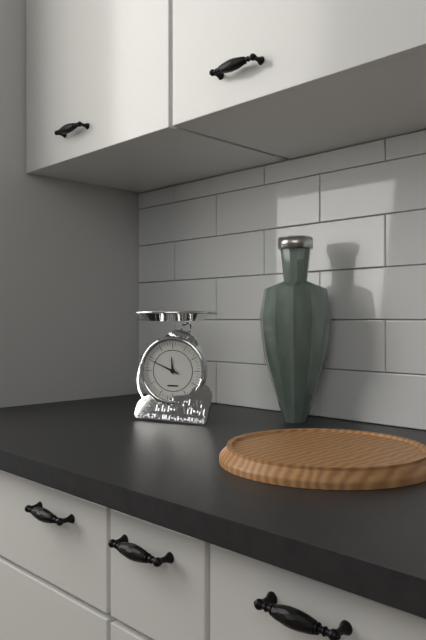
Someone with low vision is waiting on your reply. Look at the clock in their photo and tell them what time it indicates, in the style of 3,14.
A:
11,49
